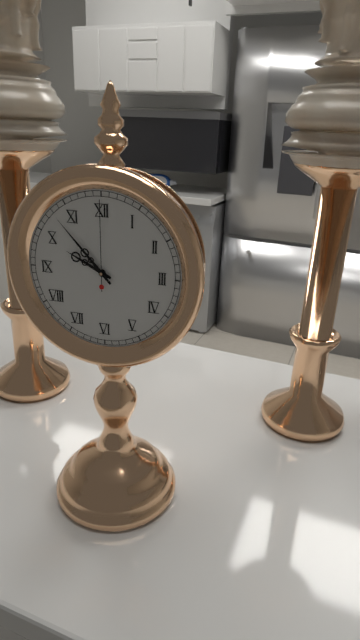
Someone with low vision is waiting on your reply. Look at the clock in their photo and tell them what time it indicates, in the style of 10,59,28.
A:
9,53,00
